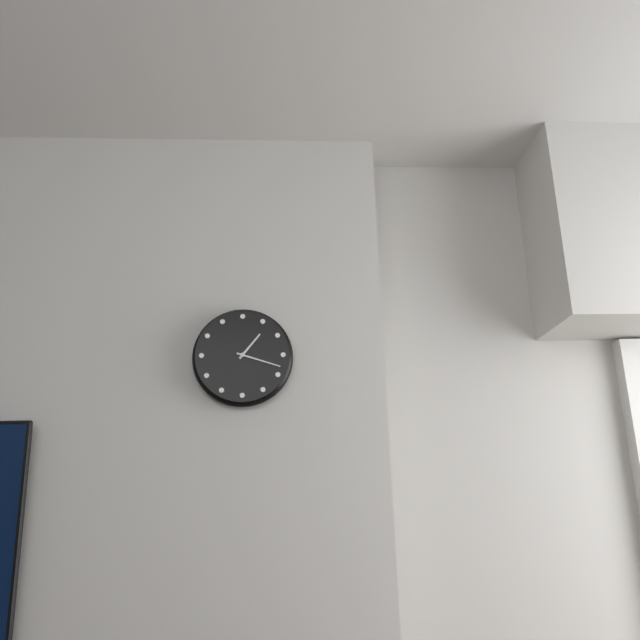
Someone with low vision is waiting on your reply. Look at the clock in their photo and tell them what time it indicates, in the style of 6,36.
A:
1,18
